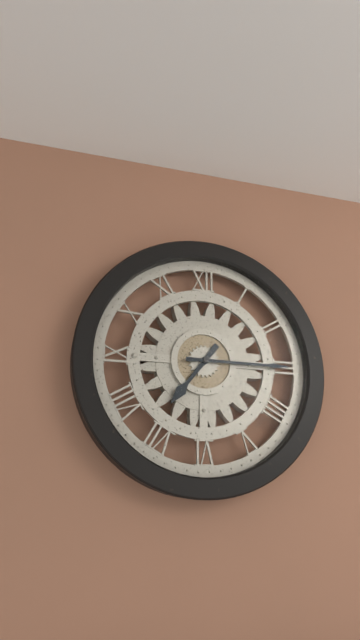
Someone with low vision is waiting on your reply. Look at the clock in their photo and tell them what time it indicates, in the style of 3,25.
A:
7,15
